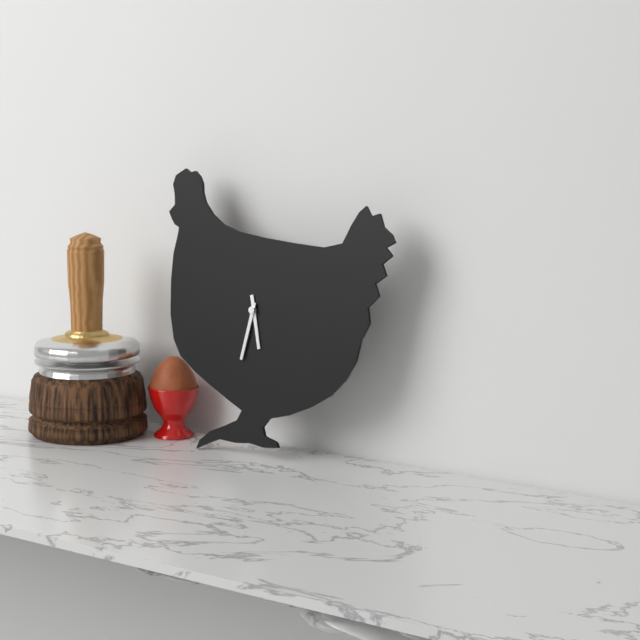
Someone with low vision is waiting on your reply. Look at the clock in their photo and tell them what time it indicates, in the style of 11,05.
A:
5,32
